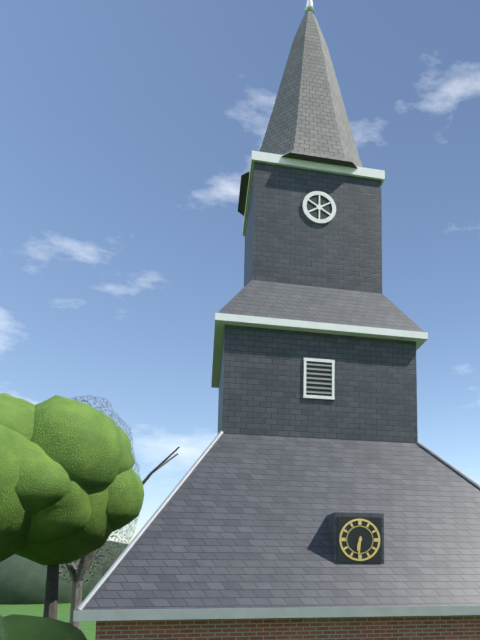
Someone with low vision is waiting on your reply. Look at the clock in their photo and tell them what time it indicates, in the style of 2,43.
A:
6,31
